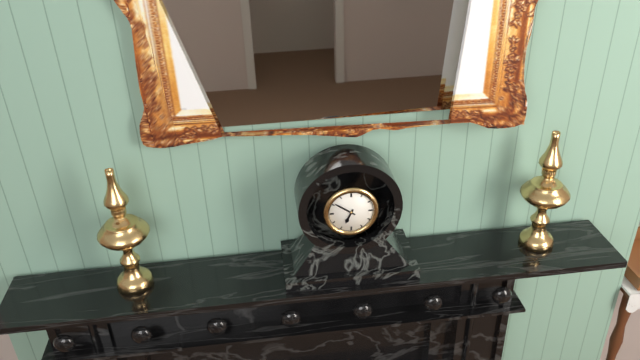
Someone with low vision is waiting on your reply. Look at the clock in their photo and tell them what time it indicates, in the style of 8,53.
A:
6,51
